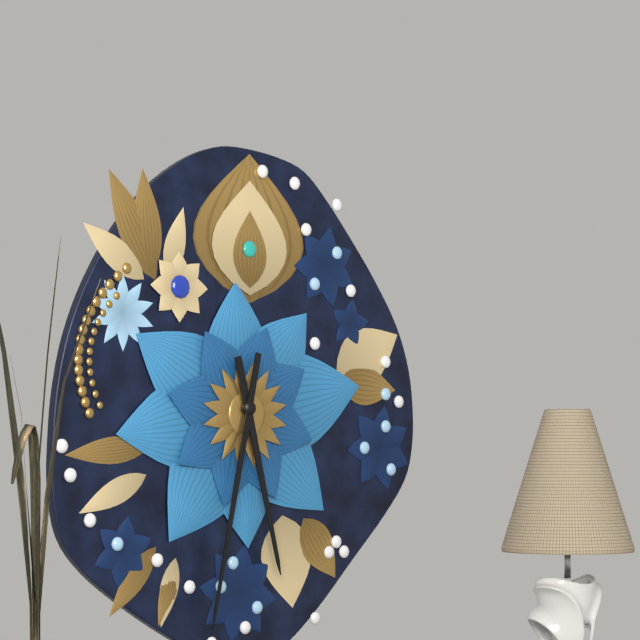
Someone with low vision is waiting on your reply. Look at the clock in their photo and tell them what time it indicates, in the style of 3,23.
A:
5,32
